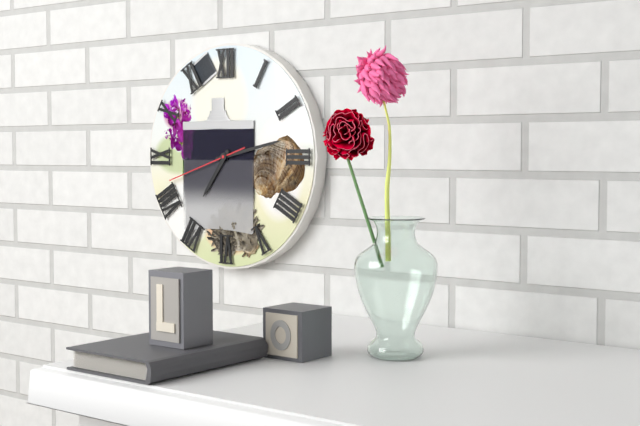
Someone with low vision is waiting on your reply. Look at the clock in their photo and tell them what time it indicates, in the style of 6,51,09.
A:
7,13,42
